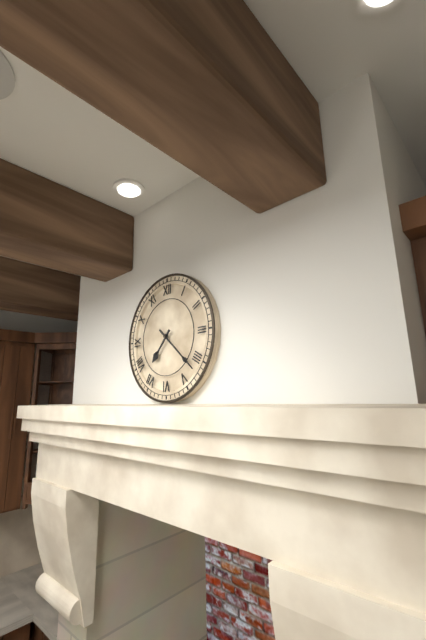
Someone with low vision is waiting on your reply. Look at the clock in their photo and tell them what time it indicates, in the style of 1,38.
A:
7,22
